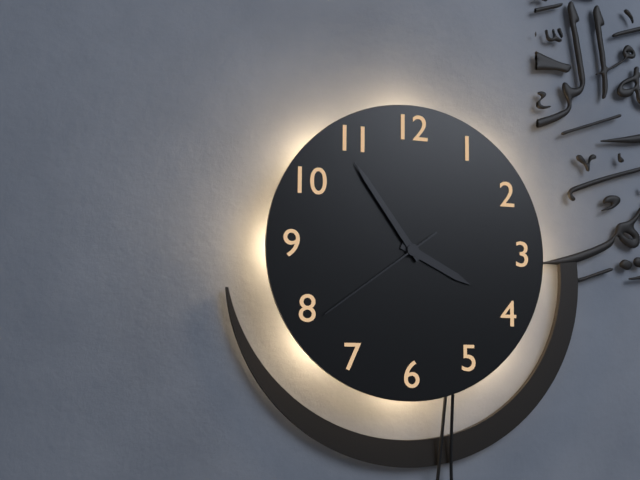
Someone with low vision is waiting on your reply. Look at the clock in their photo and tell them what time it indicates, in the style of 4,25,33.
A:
3,54,39
